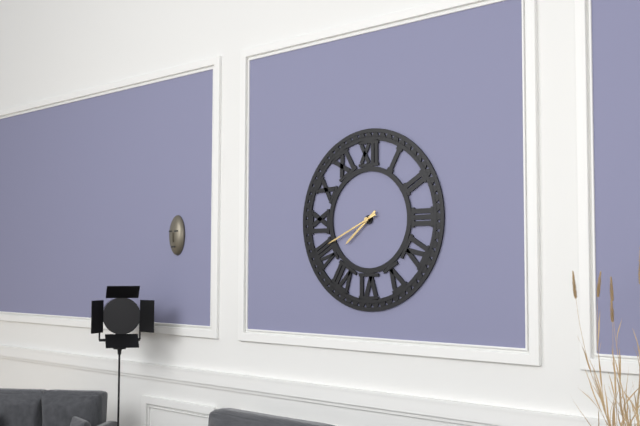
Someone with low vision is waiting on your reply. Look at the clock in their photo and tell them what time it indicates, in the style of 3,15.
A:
7,41
